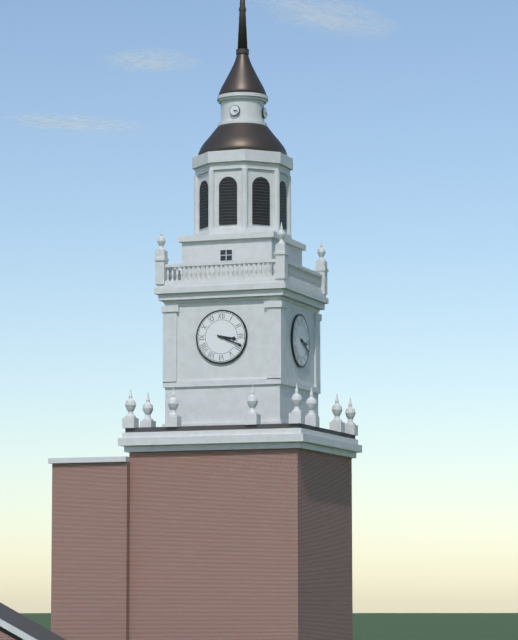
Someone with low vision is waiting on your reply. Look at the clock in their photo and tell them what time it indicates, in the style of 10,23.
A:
3,19
